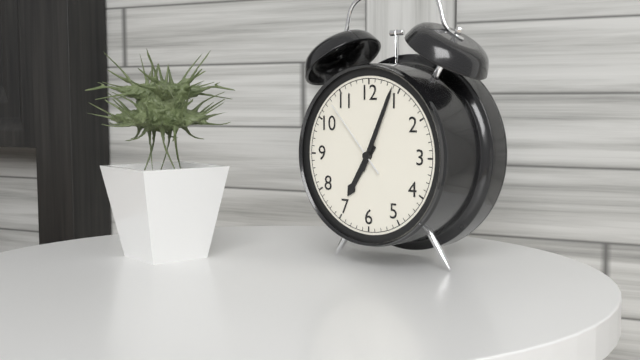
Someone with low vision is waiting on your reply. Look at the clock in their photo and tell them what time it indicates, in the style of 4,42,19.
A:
7,04,53
